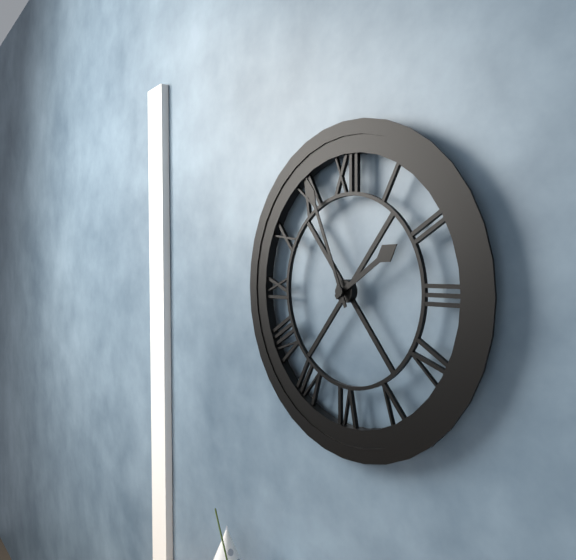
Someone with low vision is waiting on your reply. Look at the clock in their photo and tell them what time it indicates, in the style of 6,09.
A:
1,56
